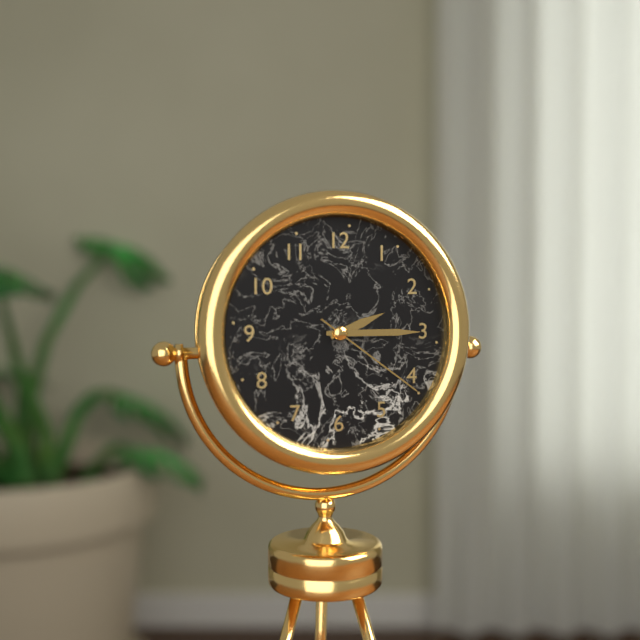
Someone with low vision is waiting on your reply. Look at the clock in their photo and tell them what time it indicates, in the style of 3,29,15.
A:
2,15,21
